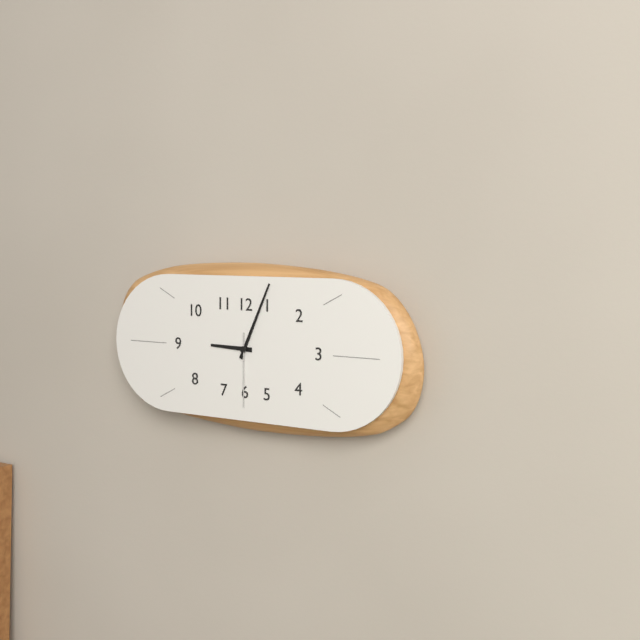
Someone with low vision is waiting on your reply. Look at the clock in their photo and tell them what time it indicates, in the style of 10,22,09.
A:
9,04,30
